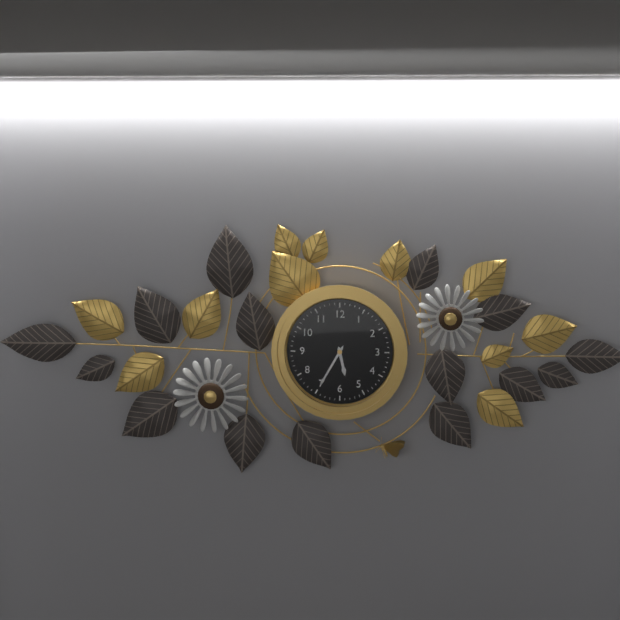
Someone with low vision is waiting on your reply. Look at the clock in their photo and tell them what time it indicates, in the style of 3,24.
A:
5,35
